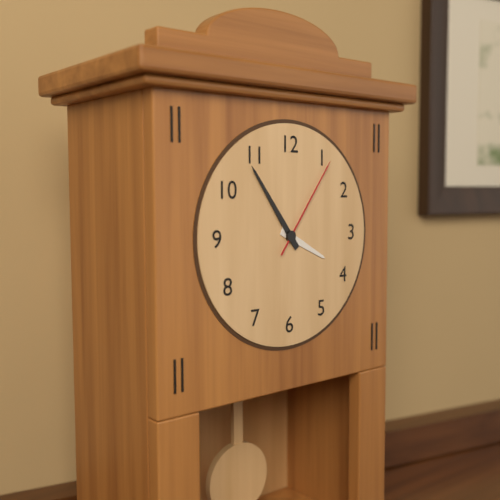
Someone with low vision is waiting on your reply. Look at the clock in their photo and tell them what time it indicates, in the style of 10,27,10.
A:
3,54,06
